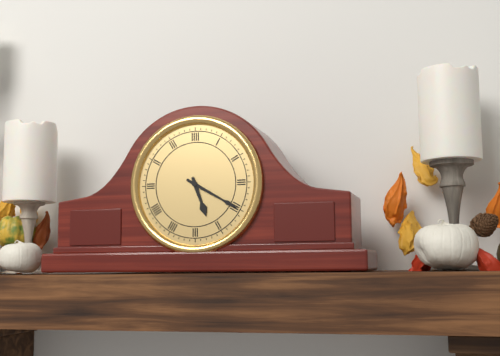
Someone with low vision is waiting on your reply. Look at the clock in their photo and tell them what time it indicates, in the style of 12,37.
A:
5,20
